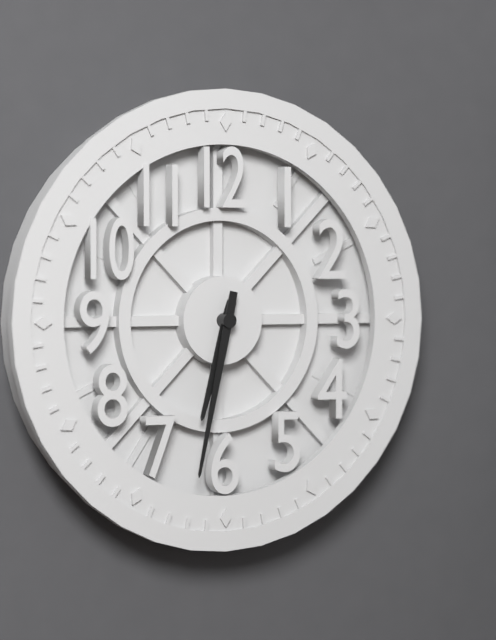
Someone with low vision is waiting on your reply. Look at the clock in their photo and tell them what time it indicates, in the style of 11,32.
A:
6,32
